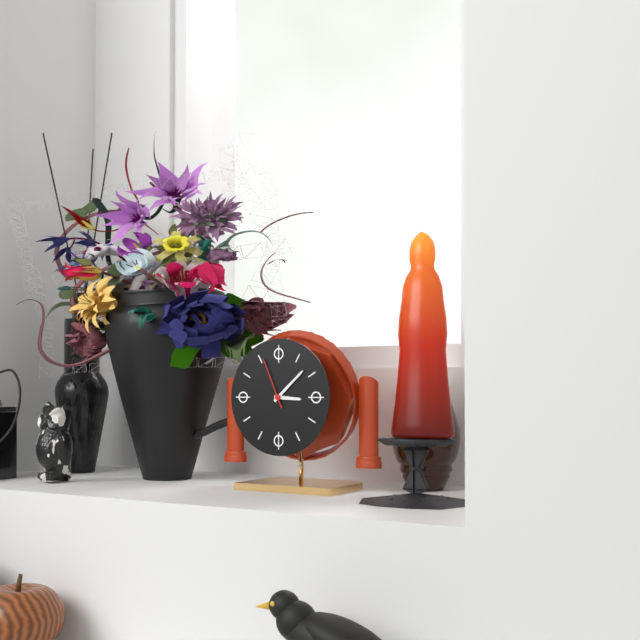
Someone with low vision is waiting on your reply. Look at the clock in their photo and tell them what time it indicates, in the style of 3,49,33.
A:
3,08,56
